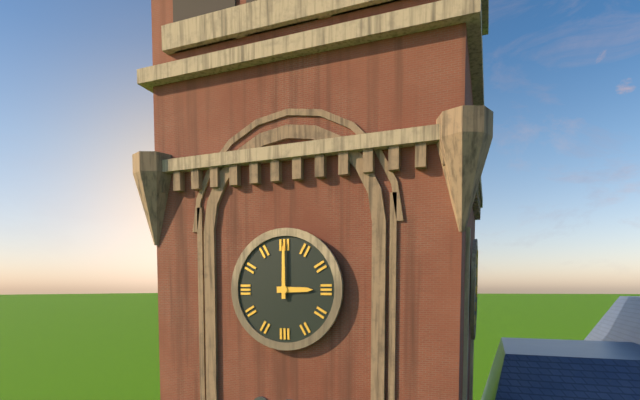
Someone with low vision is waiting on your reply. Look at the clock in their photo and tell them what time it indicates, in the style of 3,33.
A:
3,00
